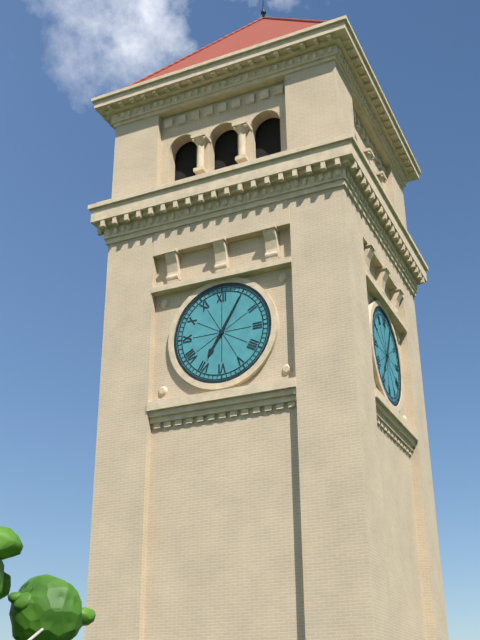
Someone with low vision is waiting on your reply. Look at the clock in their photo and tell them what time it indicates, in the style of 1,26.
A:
7,05
